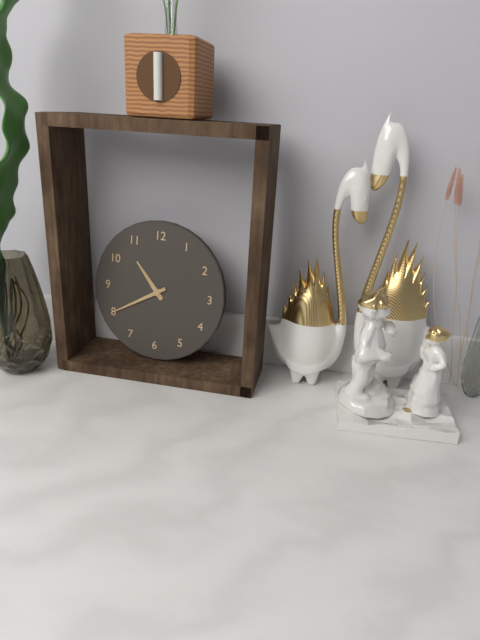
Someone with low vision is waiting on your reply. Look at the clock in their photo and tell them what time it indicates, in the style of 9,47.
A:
10,40
